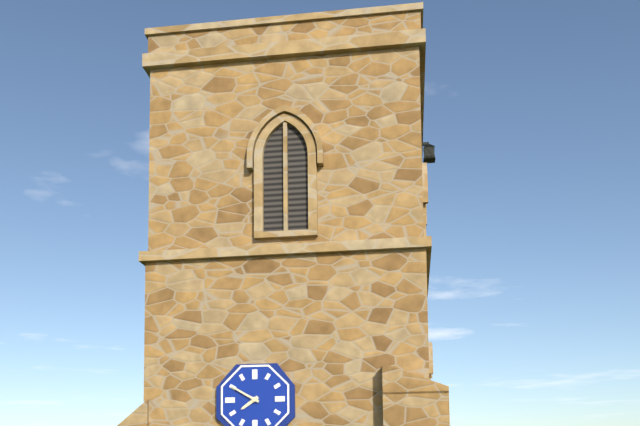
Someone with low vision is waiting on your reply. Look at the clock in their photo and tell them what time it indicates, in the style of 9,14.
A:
7,50
